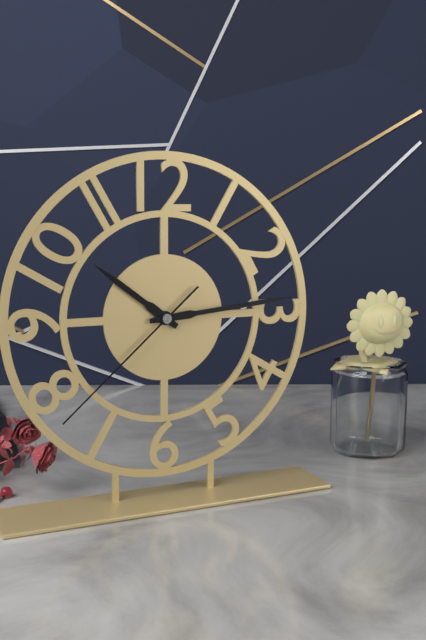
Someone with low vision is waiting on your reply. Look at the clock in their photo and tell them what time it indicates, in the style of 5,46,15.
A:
10,14,38
